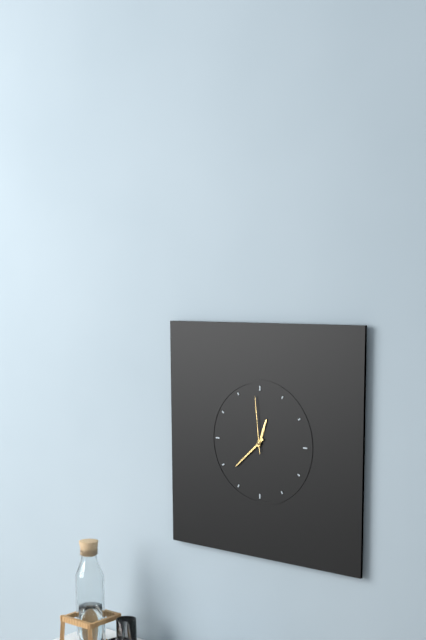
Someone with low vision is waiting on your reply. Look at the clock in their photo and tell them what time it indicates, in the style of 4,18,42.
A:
12,38,59
